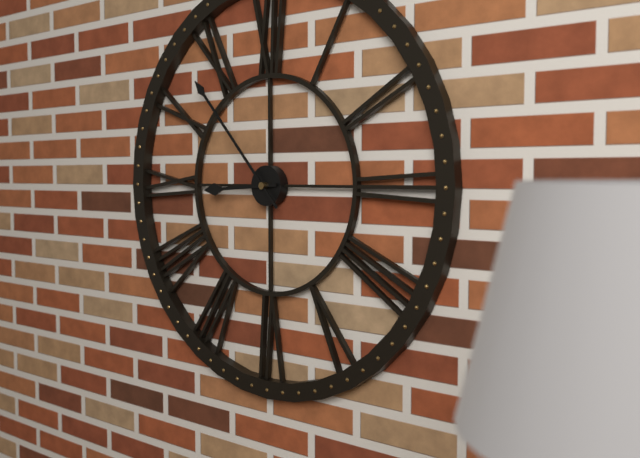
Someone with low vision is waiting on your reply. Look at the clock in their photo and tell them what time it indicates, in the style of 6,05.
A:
8,53
